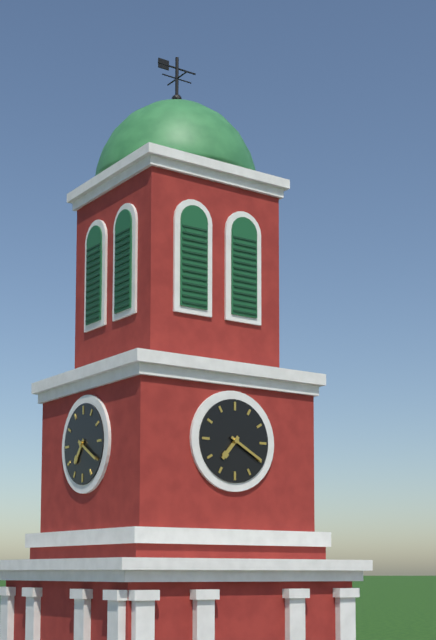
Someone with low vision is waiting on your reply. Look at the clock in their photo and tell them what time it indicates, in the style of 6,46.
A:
7,20
